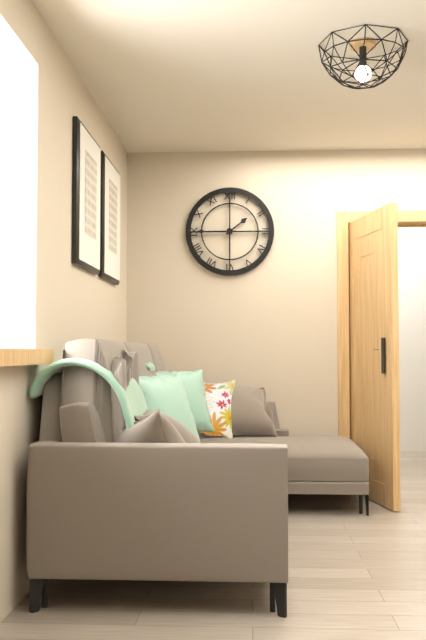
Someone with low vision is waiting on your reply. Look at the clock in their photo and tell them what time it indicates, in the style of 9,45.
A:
1,45
